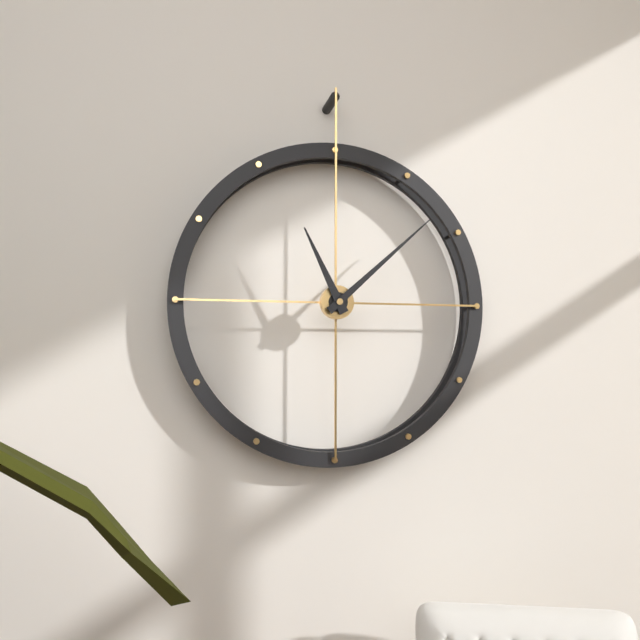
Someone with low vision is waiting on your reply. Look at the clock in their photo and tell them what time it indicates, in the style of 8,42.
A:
11,08
